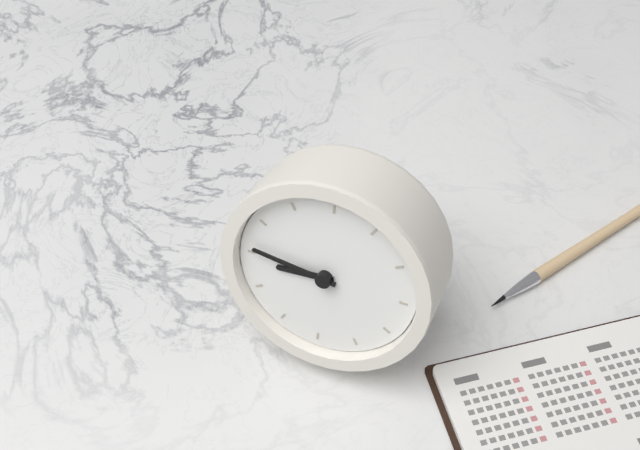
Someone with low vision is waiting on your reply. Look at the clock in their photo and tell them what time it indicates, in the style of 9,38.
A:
8,46
